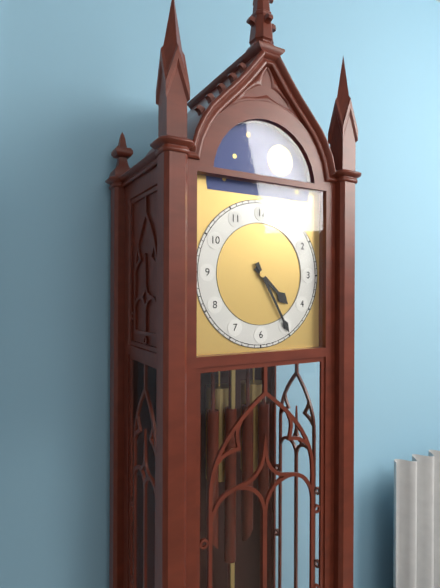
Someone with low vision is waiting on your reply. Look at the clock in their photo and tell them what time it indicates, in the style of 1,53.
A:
4,25
